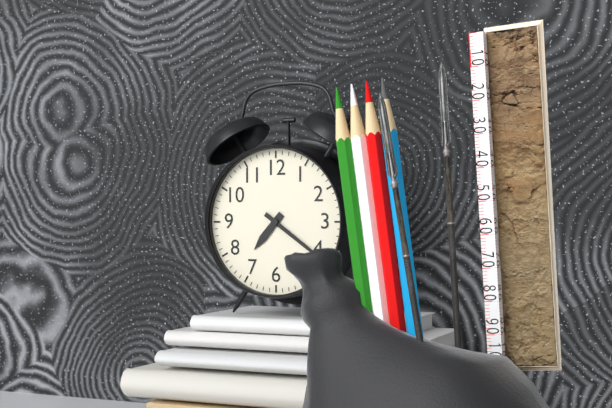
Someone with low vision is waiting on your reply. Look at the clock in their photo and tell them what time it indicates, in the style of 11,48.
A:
7,21
